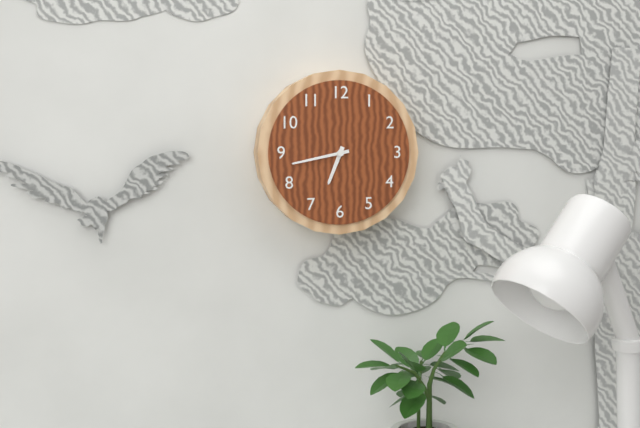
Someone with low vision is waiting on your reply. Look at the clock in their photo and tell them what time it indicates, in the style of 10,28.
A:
6,43
